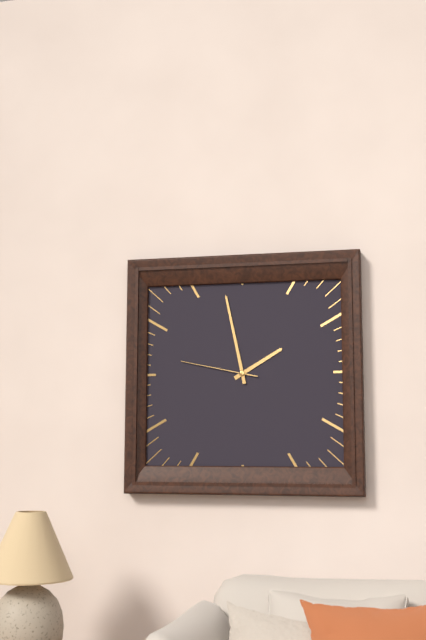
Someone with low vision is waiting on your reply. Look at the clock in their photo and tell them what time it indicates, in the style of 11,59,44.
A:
1,58,47
